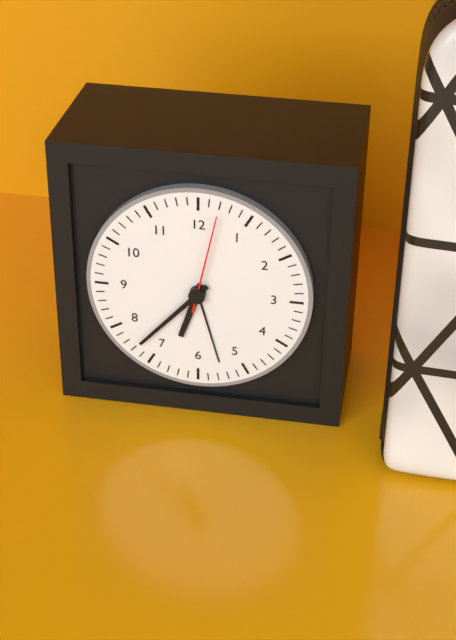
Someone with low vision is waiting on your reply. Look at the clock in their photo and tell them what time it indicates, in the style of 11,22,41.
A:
6,37,02
